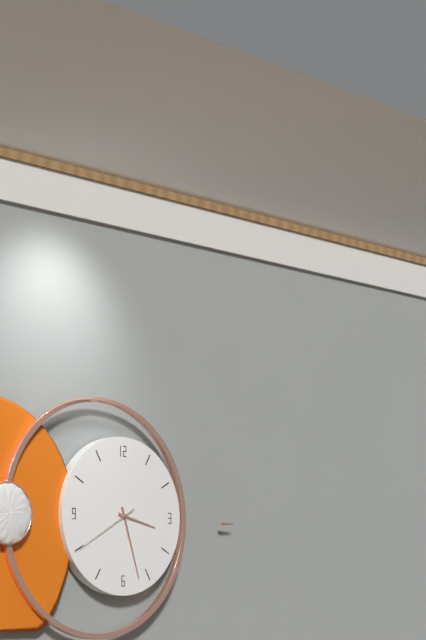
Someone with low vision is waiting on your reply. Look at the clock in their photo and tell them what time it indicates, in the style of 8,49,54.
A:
3,27,40
